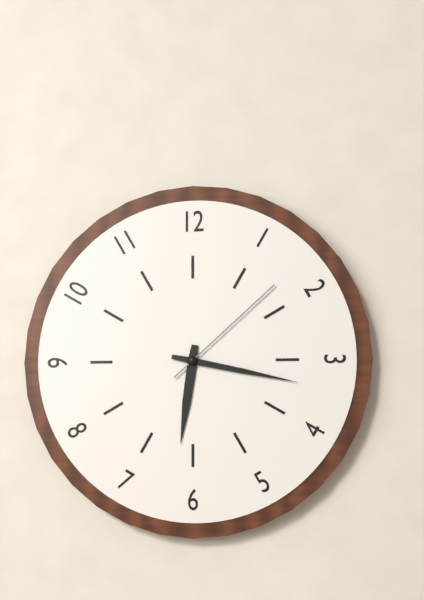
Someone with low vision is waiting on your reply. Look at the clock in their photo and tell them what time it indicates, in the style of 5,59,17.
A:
6,17,08
